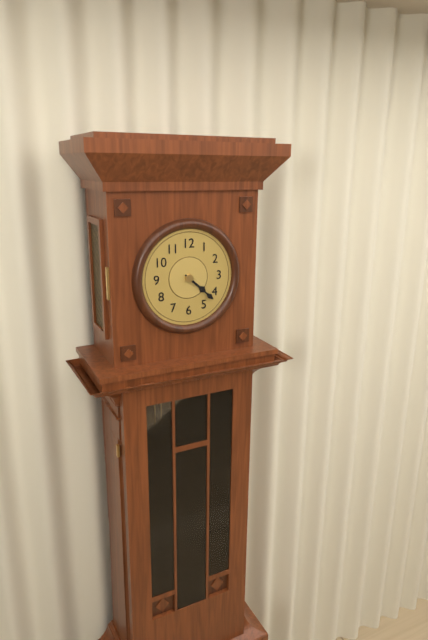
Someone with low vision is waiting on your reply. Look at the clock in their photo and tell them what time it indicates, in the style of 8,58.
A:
4,22
